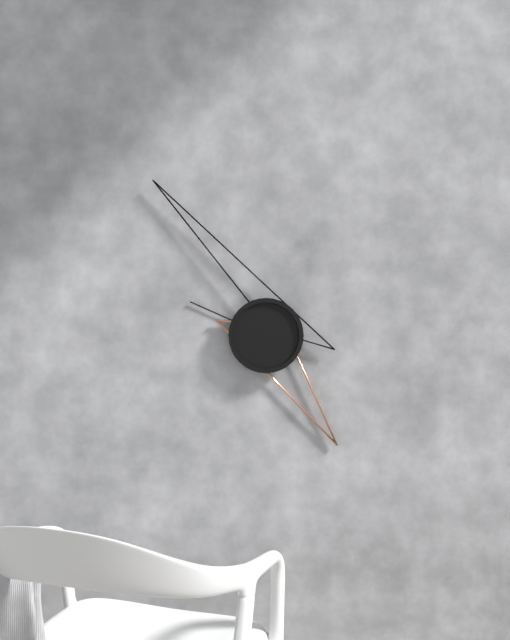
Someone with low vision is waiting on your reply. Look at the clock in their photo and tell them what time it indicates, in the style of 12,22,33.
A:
4,54,49
